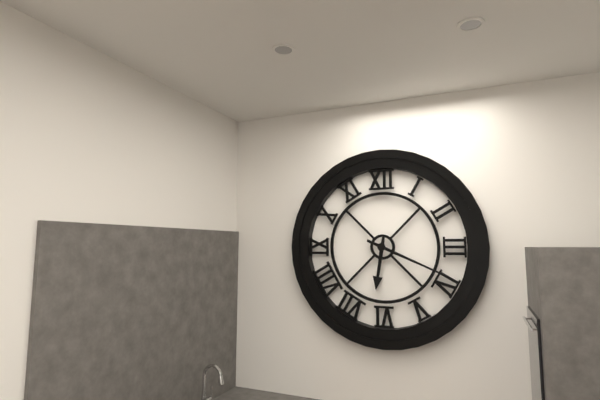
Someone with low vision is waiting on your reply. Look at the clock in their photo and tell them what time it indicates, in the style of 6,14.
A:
6,19
